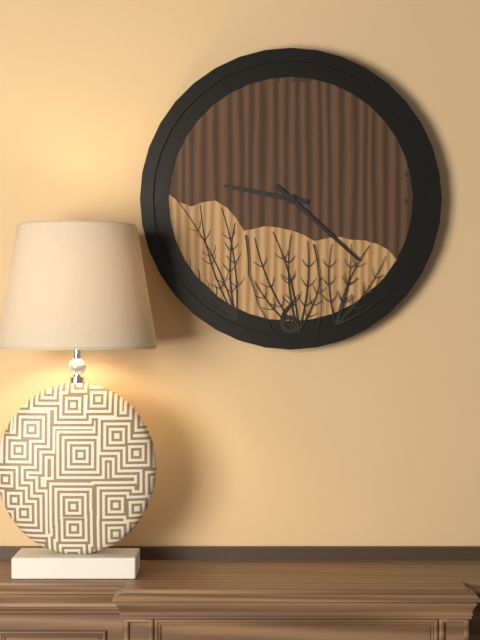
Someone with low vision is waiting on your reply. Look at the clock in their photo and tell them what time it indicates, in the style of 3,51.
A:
9,22
